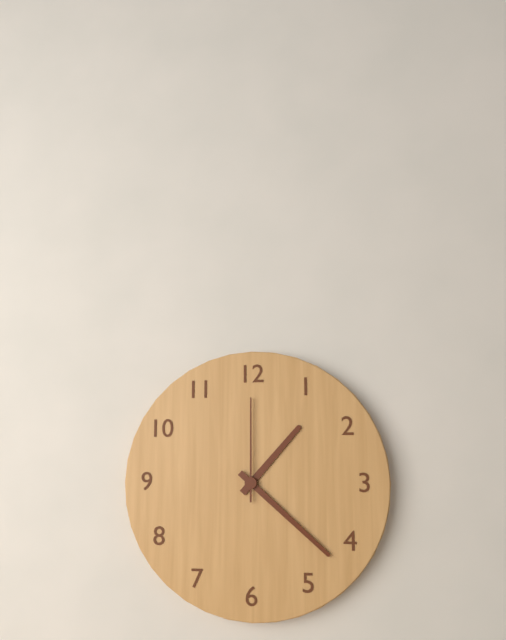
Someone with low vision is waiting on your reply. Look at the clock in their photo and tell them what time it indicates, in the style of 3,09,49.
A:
1,22,00
